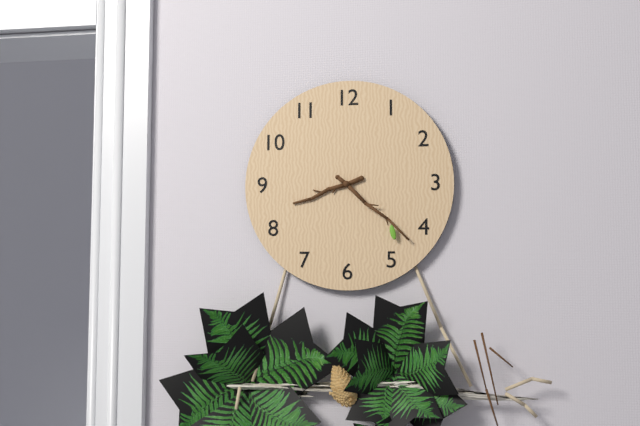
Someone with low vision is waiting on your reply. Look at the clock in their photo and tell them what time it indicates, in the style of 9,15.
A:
8,22
